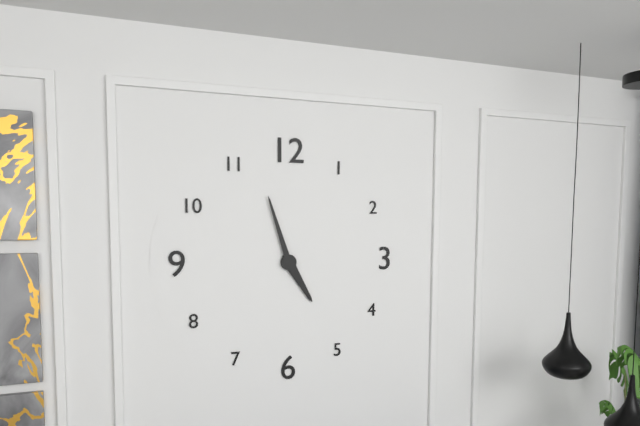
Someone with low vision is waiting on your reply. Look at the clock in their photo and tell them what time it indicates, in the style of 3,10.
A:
4,57
